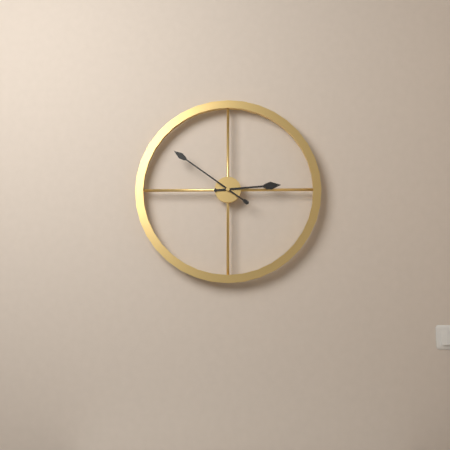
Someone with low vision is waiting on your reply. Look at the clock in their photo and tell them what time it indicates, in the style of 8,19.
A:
2,51
